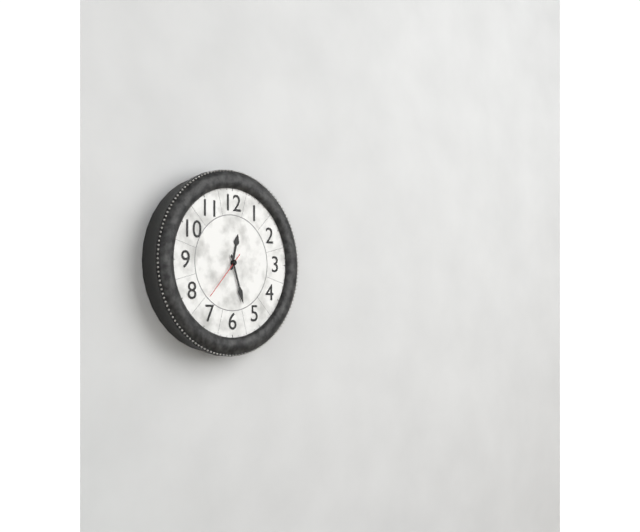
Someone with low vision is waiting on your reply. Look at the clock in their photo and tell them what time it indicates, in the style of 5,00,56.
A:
12,27,37
